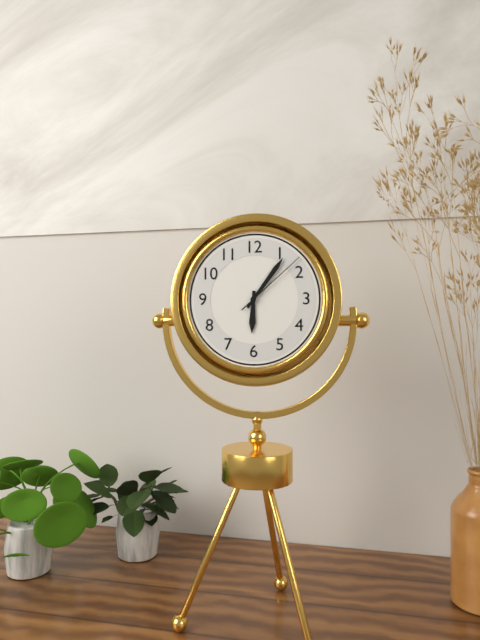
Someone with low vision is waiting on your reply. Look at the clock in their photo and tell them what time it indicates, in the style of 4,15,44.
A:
6,06,08
